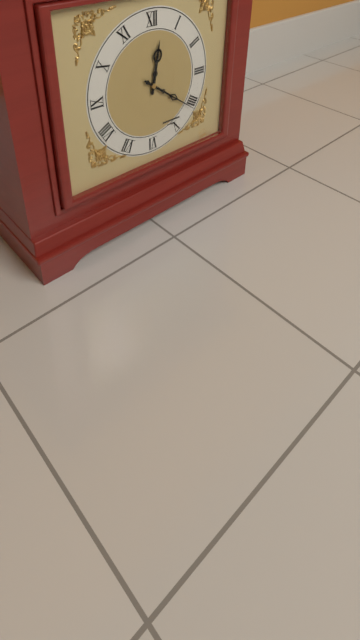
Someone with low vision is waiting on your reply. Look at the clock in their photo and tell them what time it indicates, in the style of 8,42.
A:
12,21
